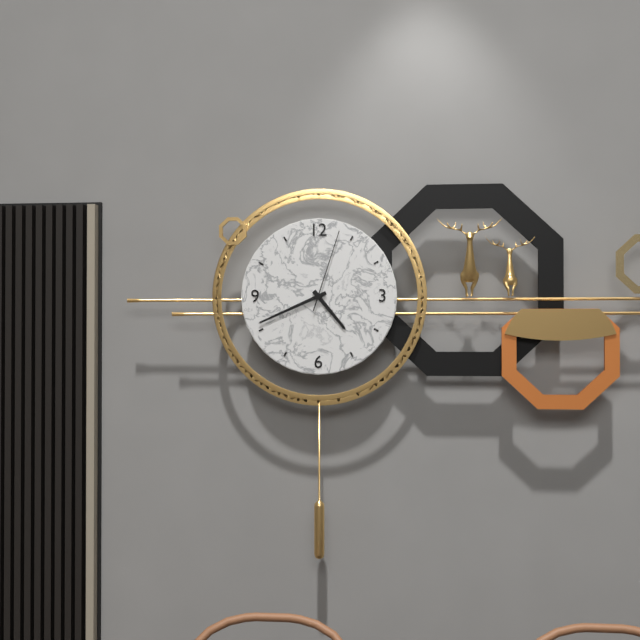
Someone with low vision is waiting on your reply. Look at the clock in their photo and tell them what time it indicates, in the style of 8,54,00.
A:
4,41,03
